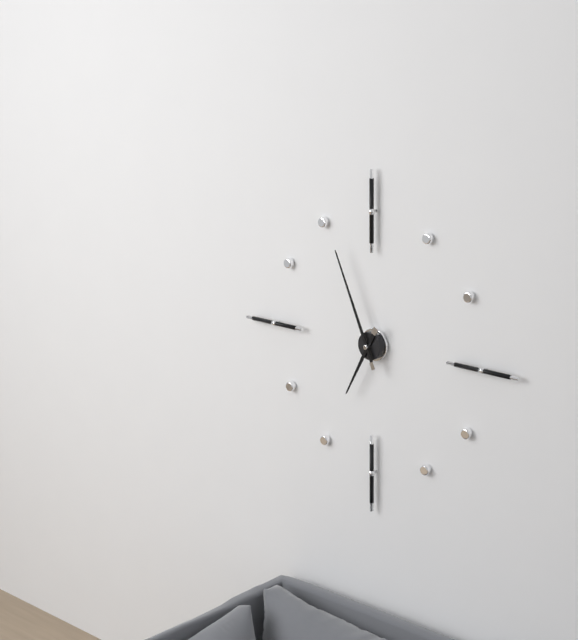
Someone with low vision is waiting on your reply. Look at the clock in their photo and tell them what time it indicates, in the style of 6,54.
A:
6,56
